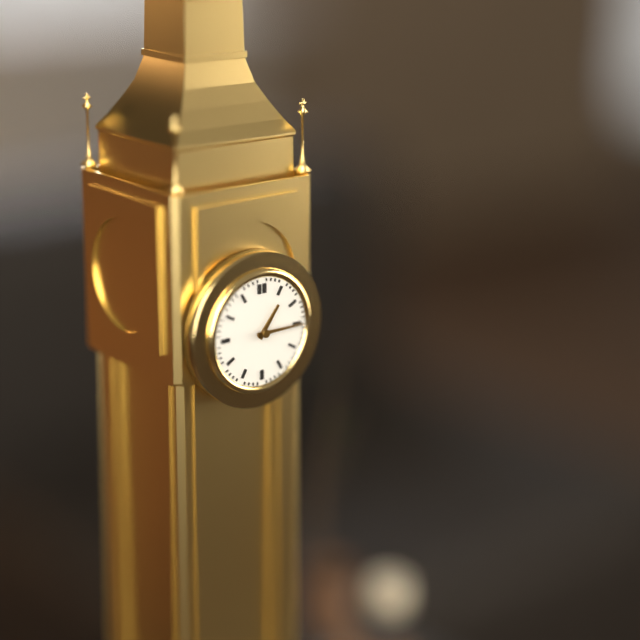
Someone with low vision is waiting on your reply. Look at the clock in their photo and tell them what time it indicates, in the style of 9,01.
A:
1,15
